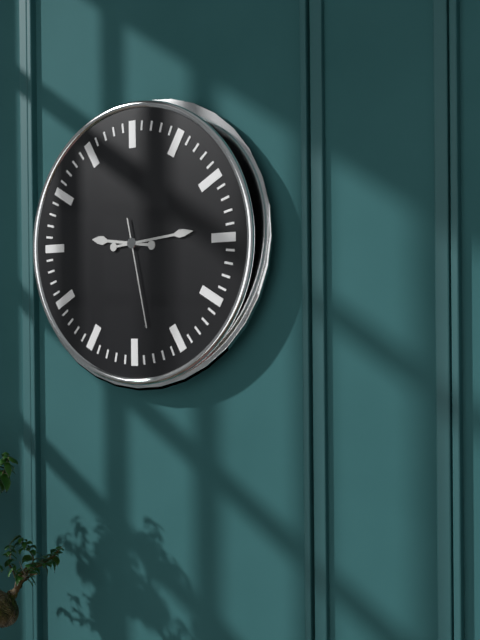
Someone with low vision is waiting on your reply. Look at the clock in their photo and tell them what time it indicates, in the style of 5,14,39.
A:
9,14,28
